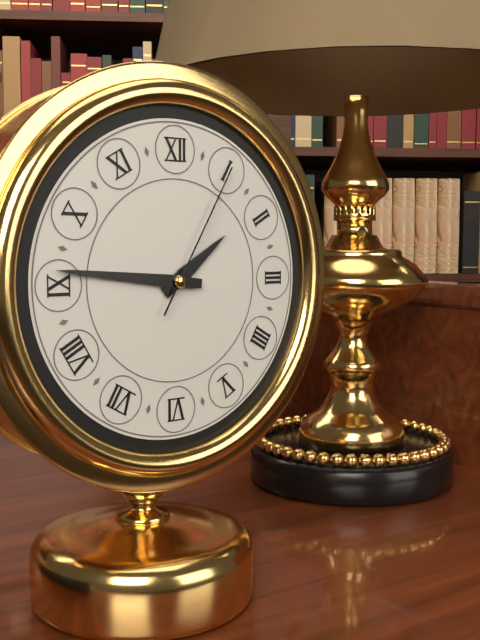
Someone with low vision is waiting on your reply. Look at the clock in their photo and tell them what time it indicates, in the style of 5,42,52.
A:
1,46,05
